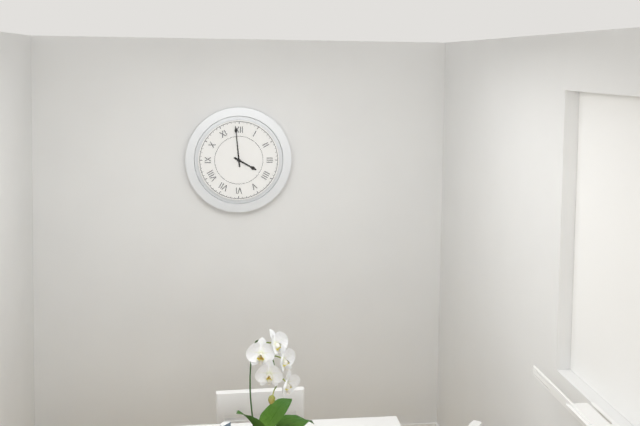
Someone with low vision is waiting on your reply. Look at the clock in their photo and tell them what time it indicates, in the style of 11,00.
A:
3,59
